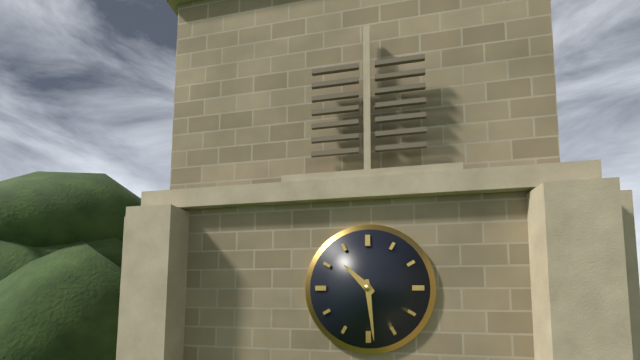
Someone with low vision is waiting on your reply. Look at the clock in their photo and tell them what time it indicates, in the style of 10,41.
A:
10,29
